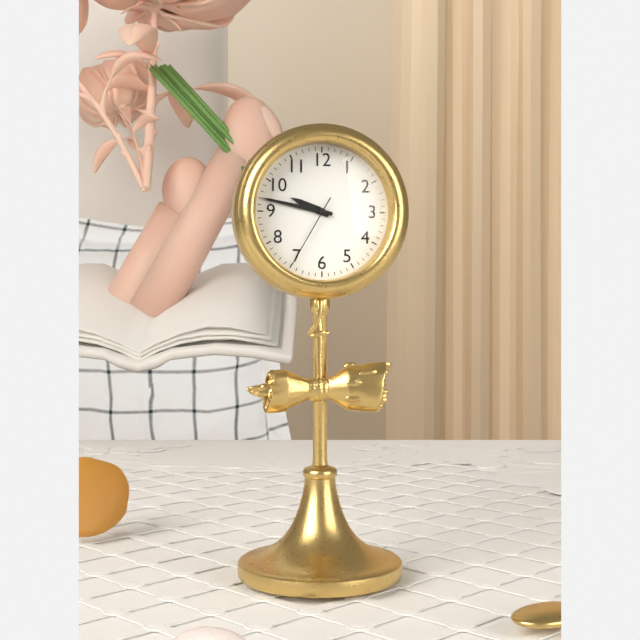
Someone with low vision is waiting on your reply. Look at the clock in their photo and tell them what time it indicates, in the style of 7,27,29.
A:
9,47,35
